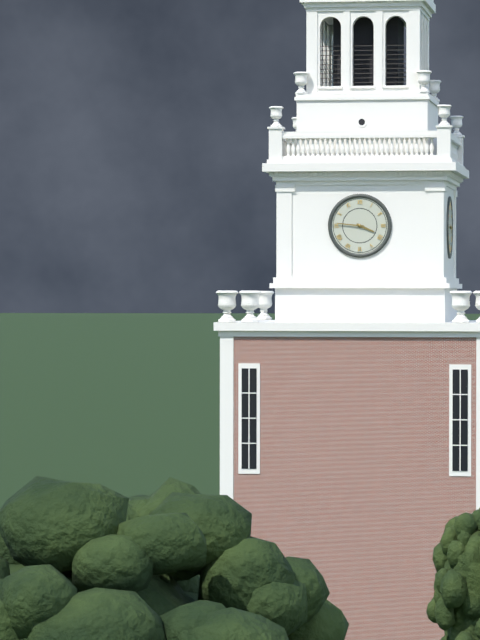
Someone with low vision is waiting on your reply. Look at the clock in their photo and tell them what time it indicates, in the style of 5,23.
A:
3,46
